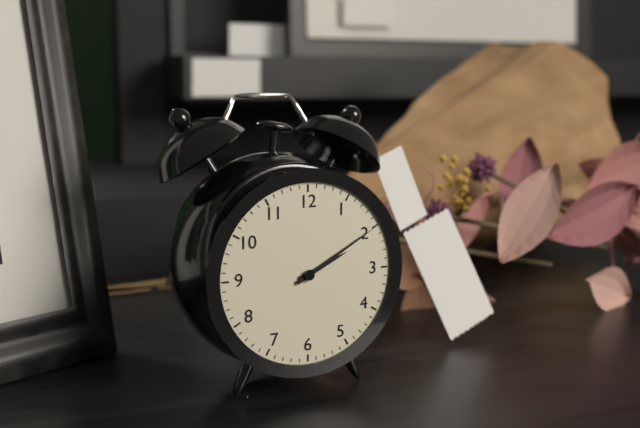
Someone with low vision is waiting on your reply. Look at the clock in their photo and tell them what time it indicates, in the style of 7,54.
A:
2,10
